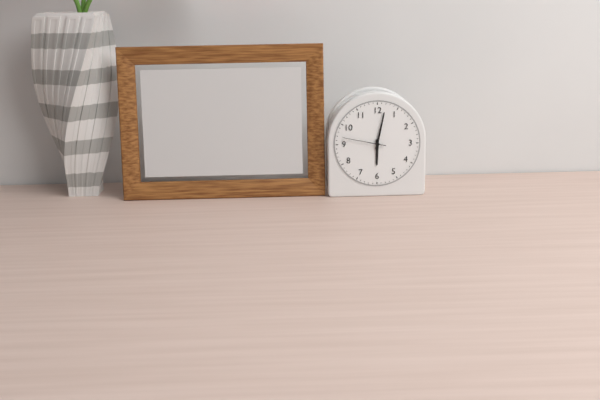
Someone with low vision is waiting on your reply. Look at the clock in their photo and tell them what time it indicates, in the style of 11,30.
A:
6,02
